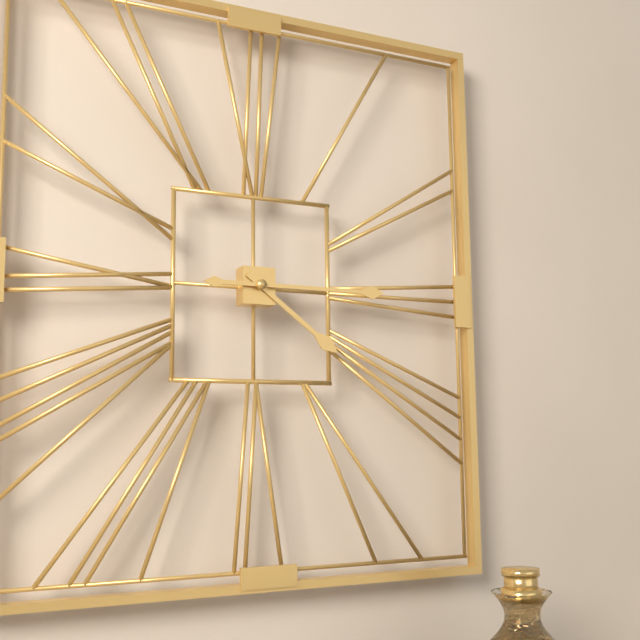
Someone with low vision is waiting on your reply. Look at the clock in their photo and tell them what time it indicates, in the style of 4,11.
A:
4,15
